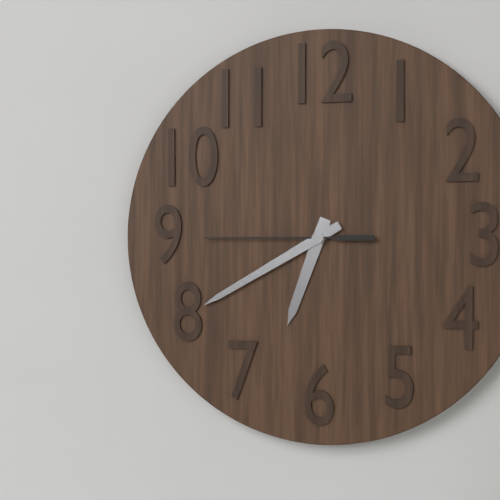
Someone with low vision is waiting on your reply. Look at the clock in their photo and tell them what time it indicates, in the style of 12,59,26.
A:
6,40,45
